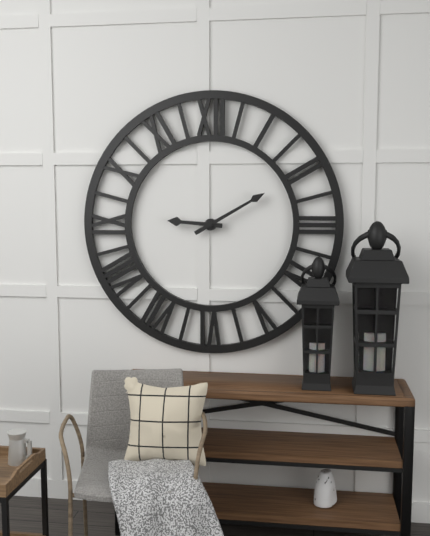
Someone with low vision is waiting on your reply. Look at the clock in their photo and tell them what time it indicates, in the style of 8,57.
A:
9,10
